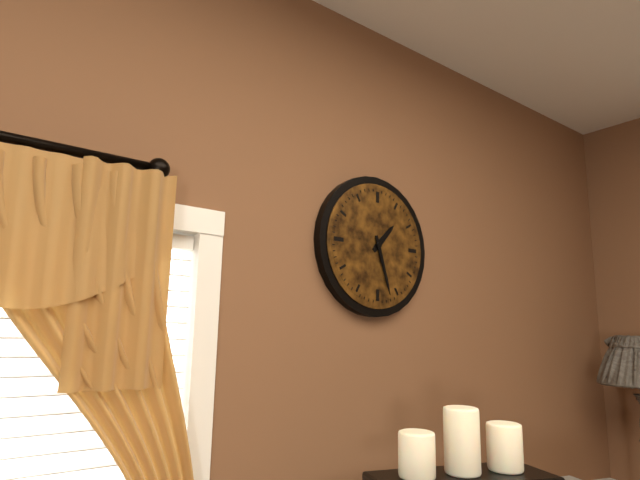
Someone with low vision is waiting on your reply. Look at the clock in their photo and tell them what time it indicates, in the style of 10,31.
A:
1,27
